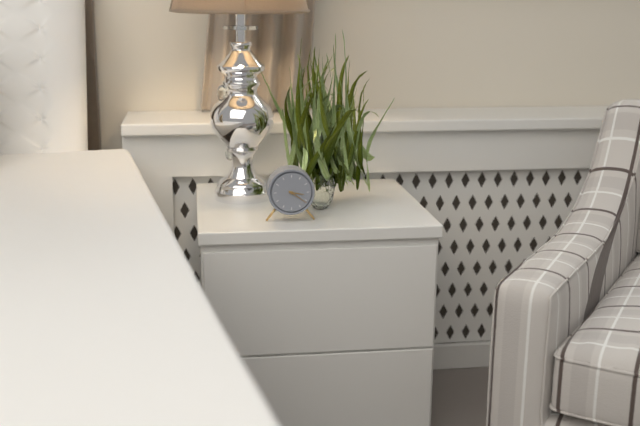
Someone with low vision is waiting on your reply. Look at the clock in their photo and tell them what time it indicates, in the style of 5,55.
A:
3,21
